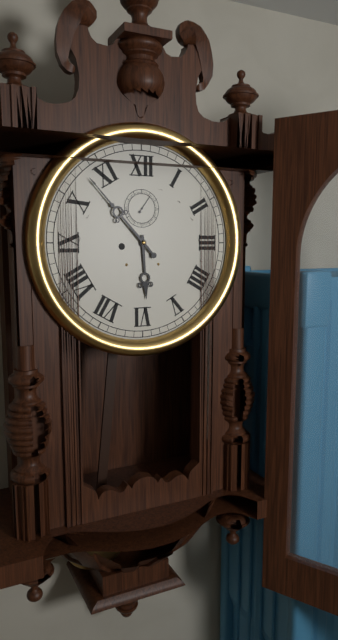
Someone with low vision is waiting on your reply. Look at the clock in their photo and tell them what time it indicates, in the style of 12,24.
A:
5,53
